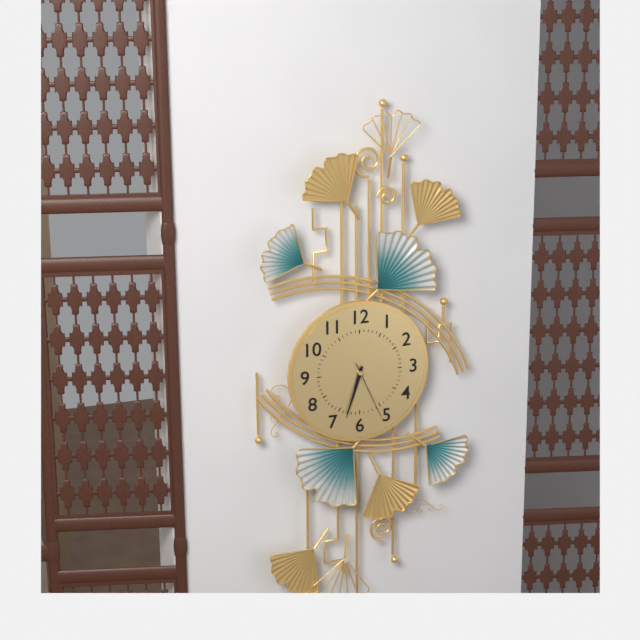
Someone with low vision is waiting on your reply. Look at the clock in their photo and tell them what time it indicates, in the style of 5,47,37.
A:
6,33,26
